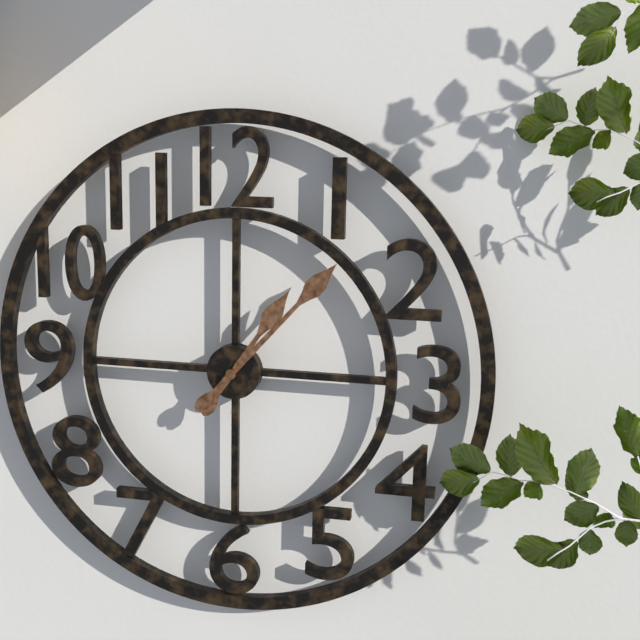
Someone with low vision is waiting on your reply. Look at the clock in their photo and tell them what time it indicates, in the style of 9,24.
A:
1,07
